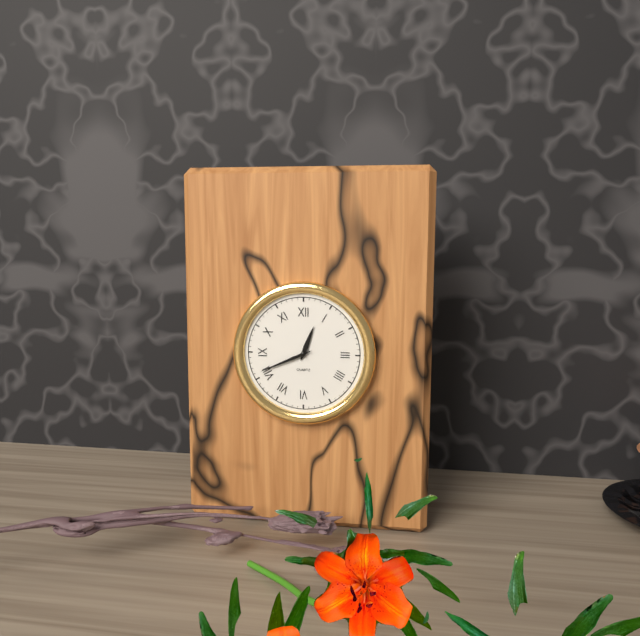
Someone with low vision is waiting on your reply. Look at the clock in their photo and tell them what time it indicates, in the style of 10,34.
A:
12,41
